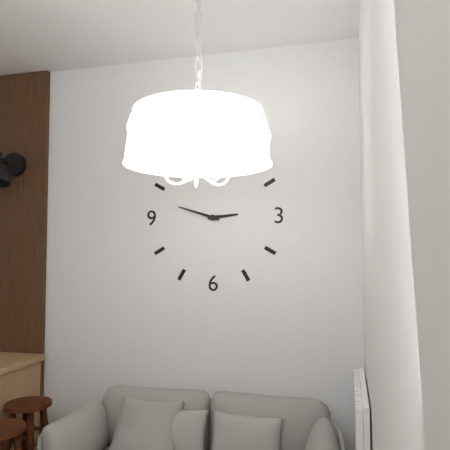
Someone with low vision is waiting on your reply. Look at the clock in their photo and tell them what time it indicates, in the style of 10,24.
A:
2,48
